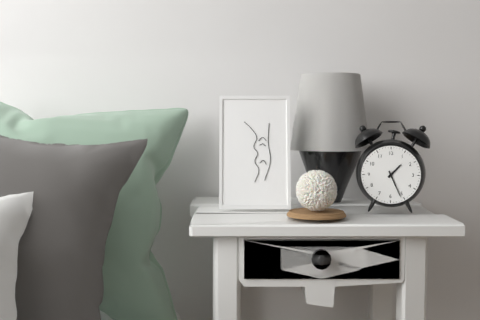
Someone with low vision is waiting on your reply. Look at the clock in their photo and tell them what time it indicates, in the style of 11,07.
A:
1,26
